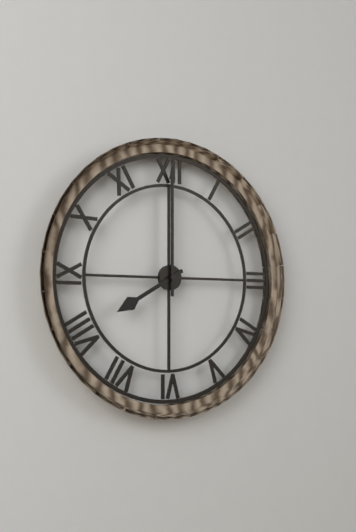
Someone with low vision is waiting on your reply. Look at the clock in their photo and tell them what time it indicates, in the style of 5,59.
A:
8,00
